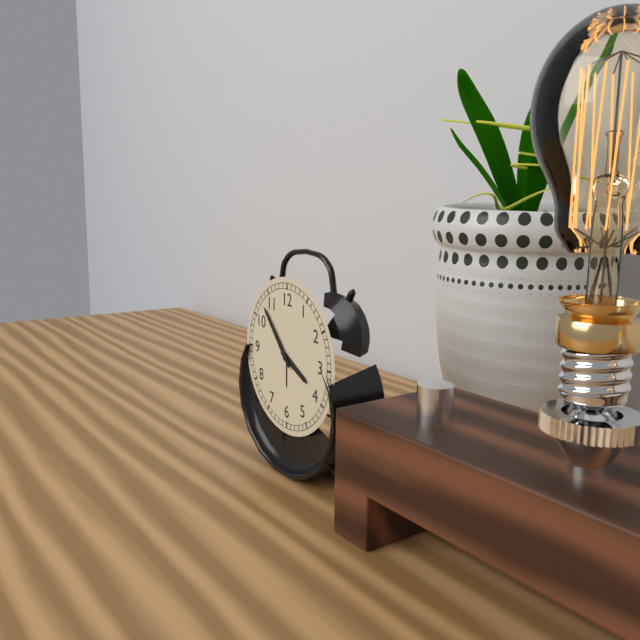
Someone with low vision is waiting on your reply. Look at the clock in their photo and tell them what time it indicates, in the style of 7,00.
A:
3,53
